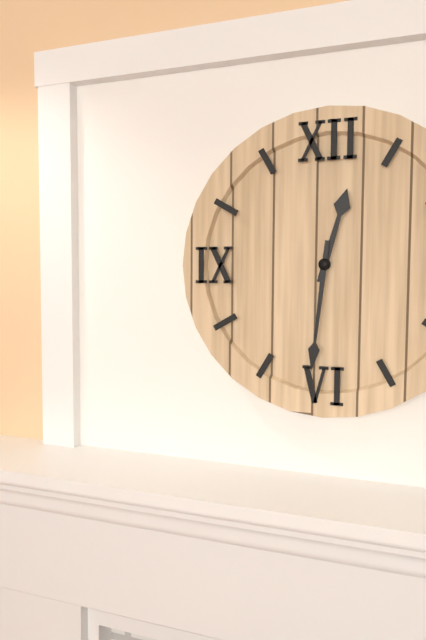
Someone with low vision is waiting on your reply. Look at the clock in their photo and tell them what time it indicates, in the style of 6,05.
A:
12,31
